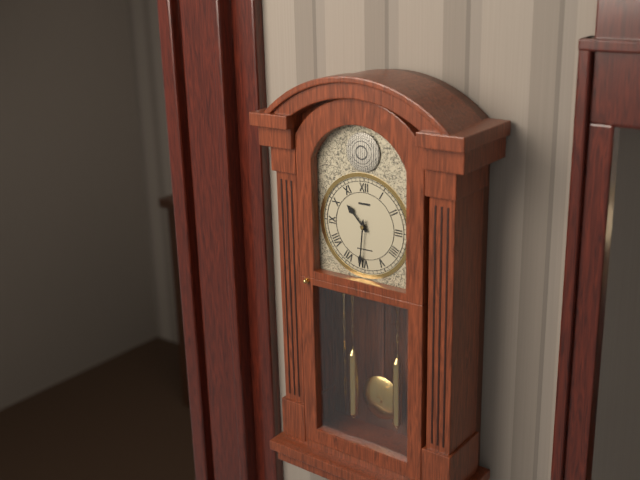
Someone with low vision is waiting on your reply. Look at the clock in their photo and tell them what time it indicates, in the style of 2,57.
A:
10,31
